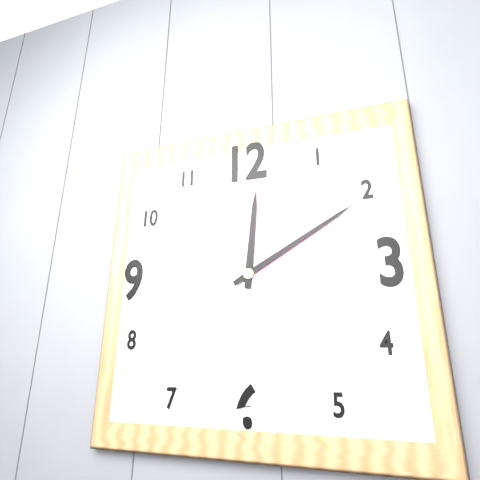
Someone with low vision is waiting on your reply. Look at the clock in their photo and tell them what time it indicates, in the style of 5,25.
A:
12,10
